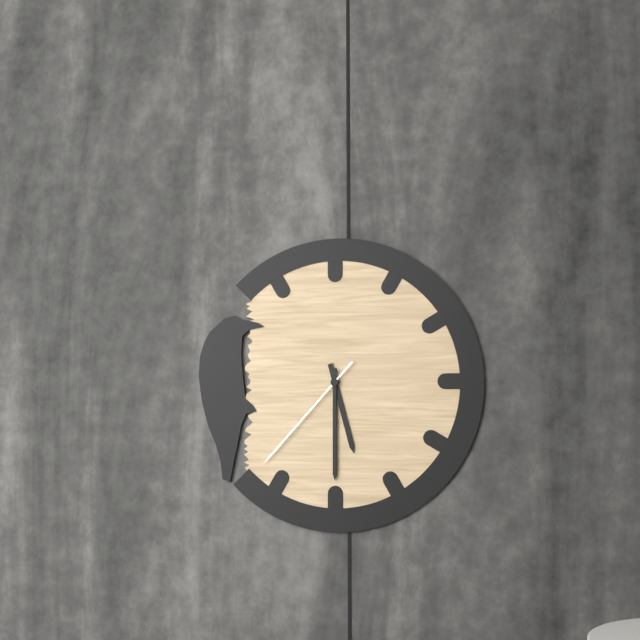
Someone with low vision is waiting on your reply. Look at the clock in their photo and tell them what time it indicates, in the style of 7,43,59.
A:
5,30,37
